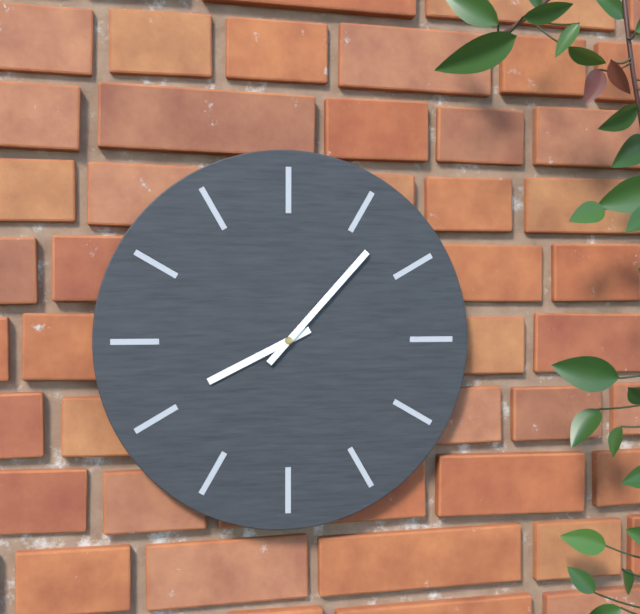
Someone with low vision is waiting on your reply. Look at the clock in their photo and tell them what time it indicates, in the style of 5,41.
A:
8,07
